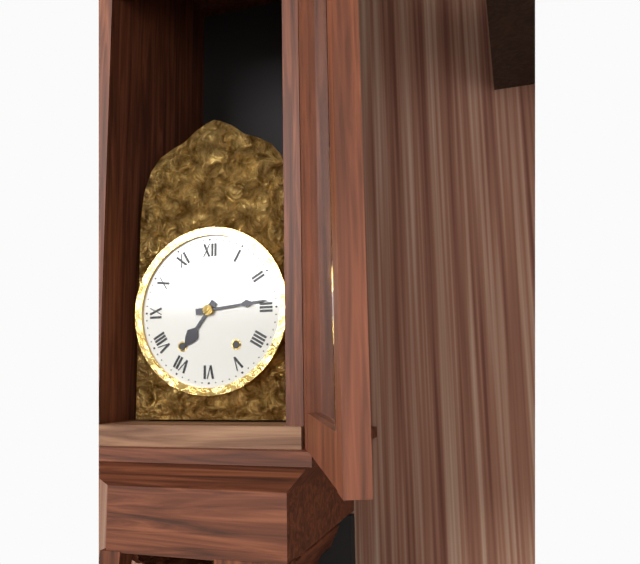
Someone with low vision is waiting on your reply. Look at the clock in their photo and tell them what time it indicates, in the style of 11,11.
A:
7,14
